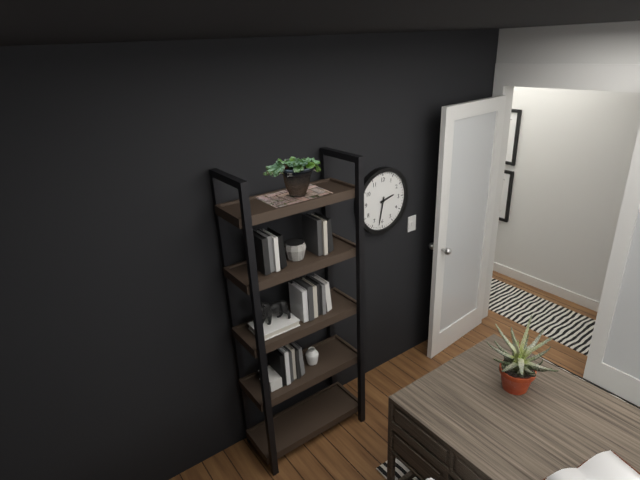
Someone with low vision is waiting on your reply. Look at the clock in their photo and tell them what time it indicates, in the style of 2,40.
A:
2,32
